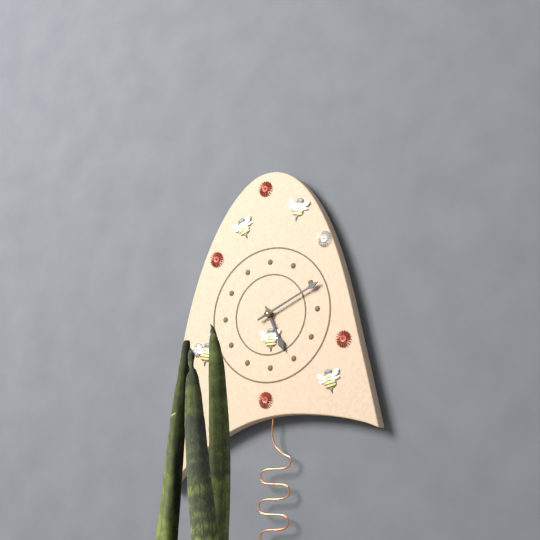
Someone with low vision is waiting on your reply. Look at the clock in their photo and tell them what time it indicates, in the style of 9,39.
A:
5,11
